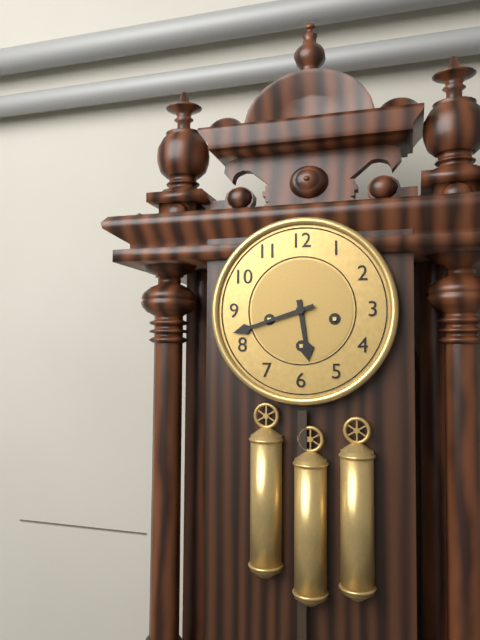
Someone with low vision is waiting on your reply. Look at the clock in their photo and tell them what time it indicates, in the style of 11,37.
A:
5,42
